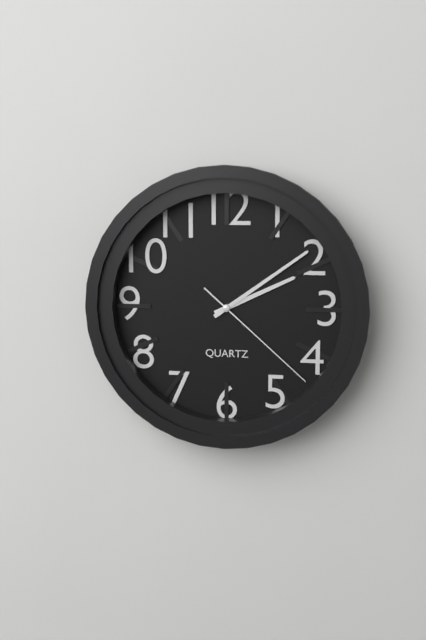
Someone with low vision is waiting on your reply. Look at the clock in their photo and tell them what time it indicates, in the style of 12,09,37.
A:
2,09,22
